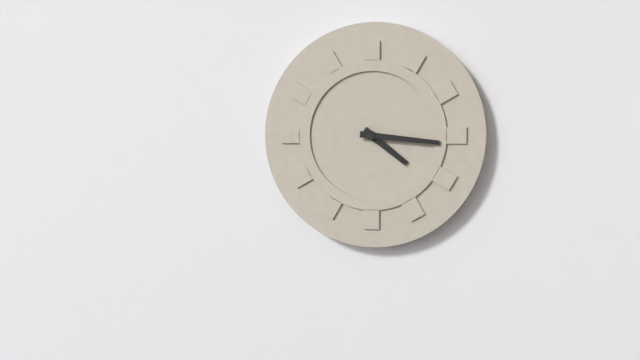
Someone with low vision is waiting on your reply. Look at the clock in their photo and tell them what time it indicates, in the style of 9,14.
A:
4,16
